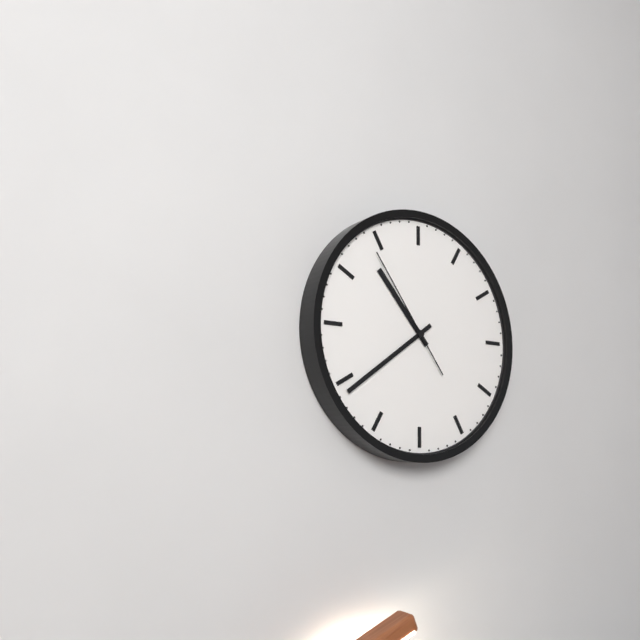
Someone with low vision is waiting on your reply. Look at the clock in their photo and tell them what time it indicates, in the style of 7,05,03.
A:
10,39,54
